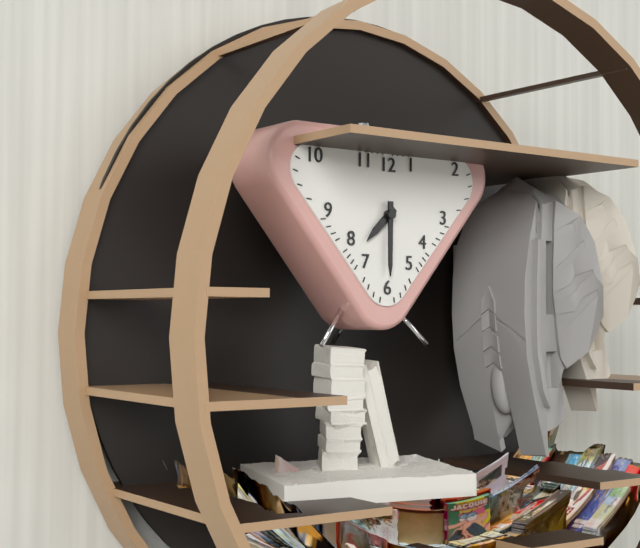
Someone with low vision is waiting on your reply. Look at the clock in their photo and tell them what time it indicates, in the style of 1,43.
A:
7,30
